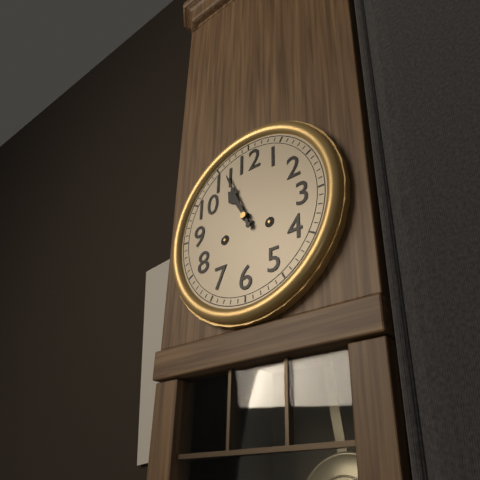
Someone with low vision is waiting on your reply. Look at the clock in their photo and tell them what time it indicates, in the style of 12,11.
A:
10,56
